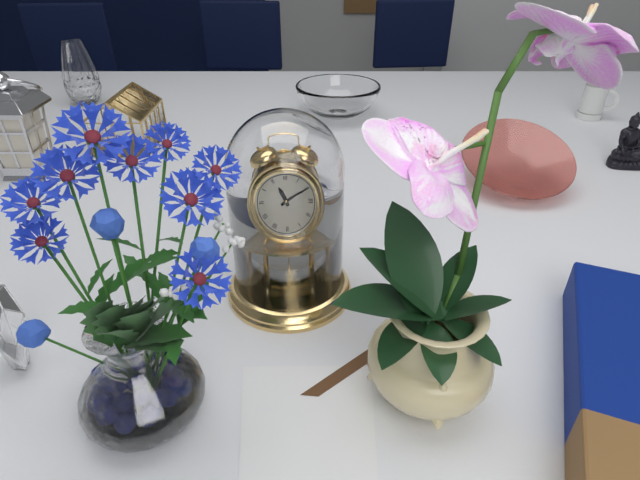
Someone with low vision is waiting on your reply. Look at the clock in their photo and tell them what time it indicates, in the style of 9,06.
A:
11,10
